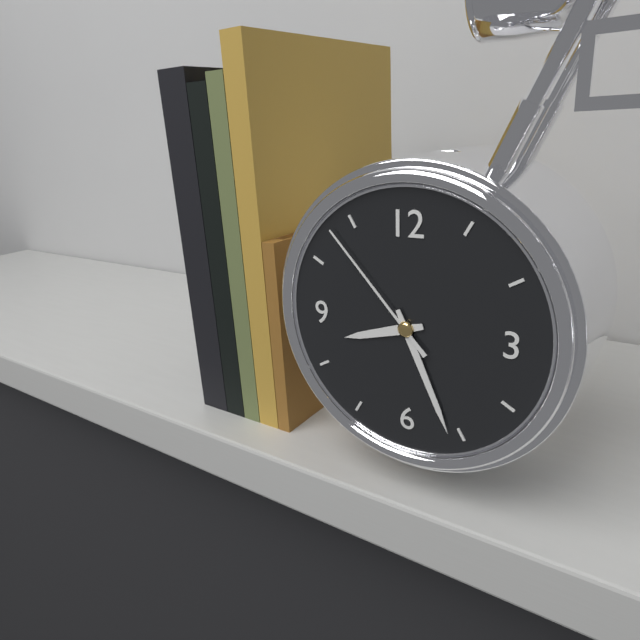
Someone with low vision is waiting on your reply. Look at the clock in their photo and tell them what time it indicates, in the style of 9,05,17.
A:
8,26,53
